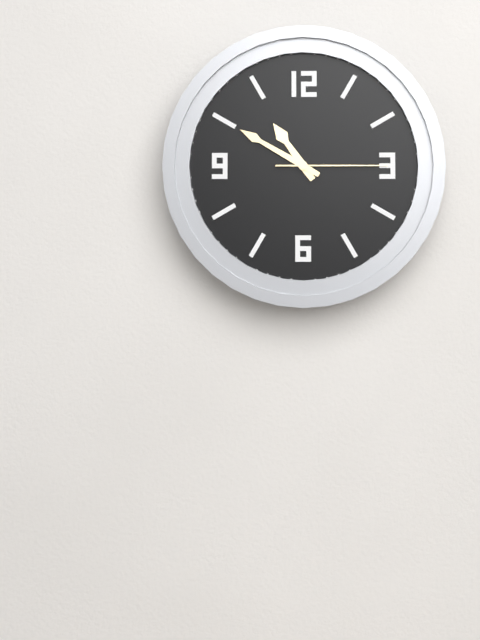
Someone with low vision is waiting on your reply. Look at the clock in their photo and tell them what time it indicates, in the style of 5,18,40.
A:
10,50,15
